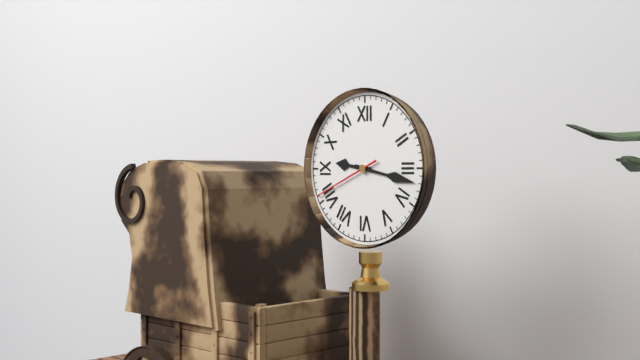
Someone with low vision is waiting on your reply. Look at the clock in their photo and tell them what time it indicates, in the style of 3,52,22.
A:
9,17,41
